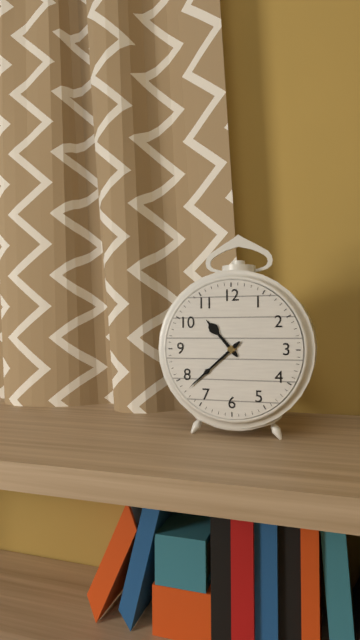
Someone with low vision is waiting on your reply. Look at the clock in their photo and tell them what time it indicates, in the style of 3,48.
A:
10,38
